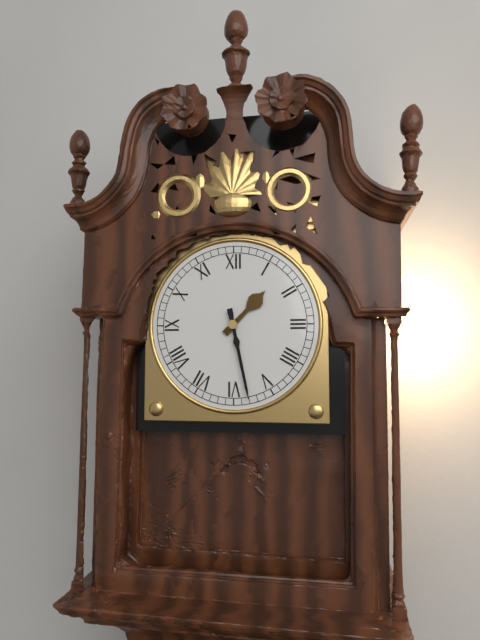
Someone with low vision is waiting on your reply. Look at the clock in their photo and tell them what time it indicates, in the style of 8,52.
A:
1,28
